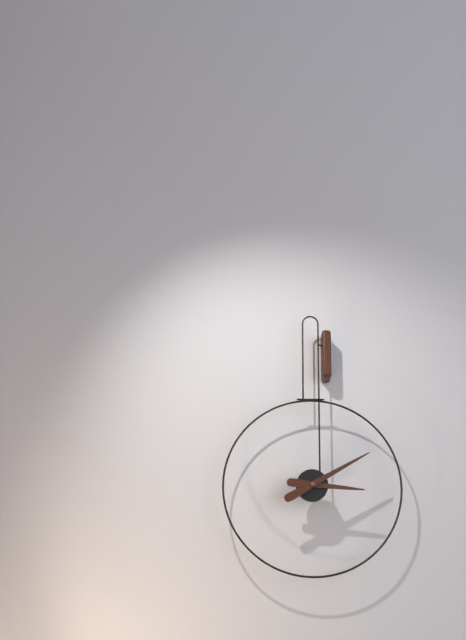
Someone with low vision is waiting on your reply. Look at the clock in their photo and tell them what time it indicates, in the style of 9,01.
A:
3,10
